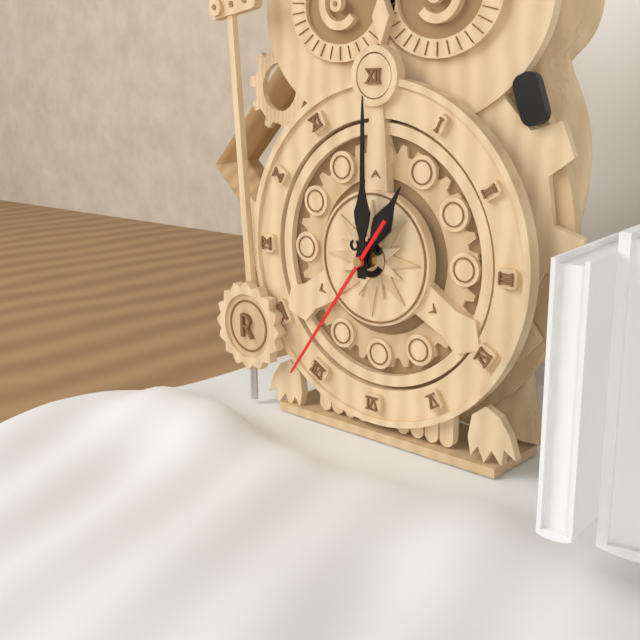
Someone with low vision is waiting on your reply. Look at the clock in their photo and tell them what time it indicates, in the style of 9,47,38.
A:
1,00,36
